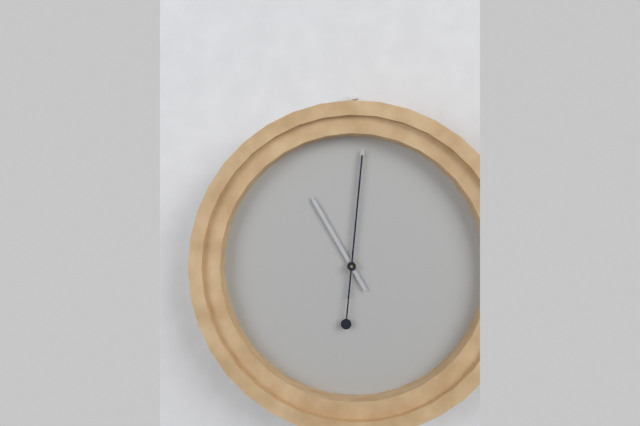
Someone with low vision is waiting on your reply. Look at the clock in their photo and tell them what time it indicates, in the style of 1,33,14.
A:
11,01,01
